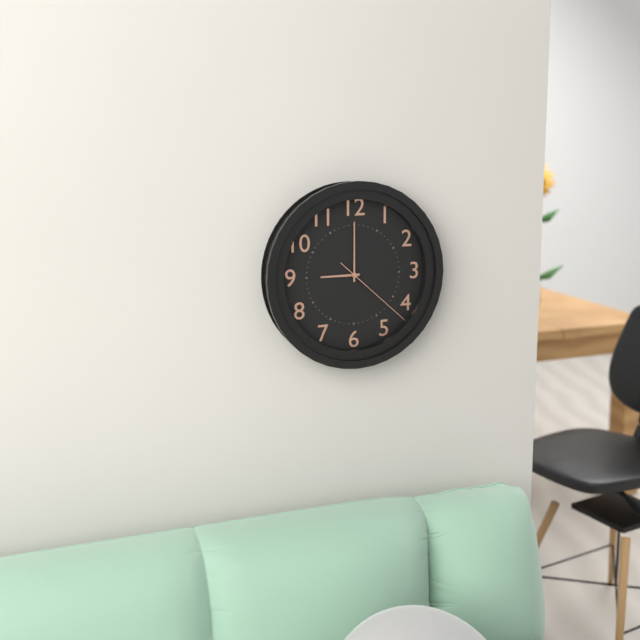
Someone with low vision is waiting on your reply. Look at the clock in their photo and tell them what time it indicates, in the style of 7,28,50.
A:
9,00,22
